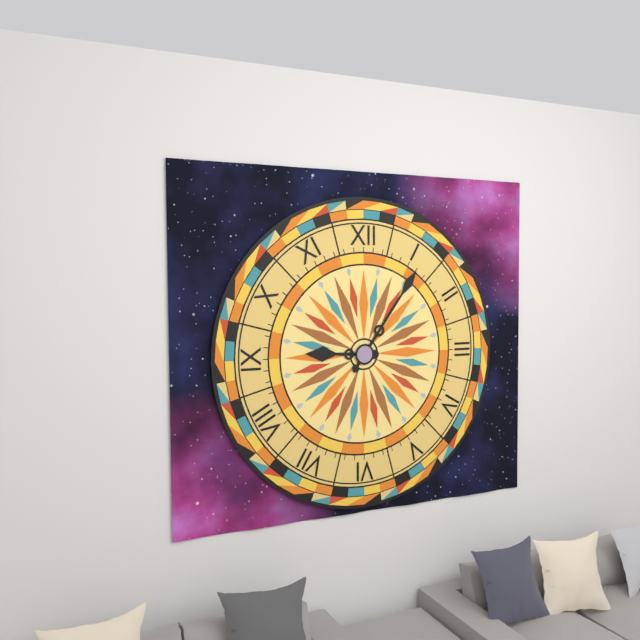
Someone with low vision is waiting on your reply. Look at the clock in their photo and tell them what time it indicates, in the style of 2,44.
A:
9,06
